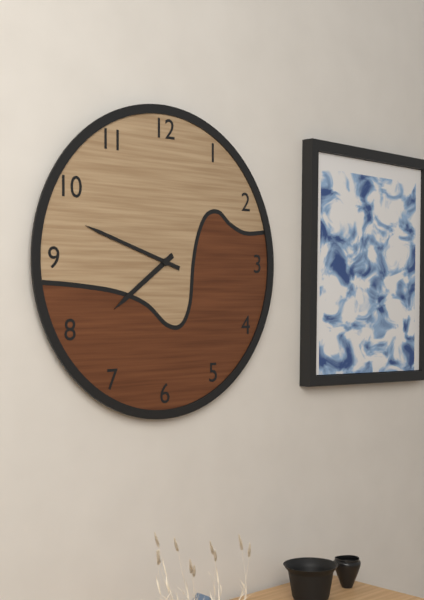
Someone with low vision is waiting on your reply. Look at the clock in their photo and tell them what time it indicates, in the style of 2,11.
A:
7,48
